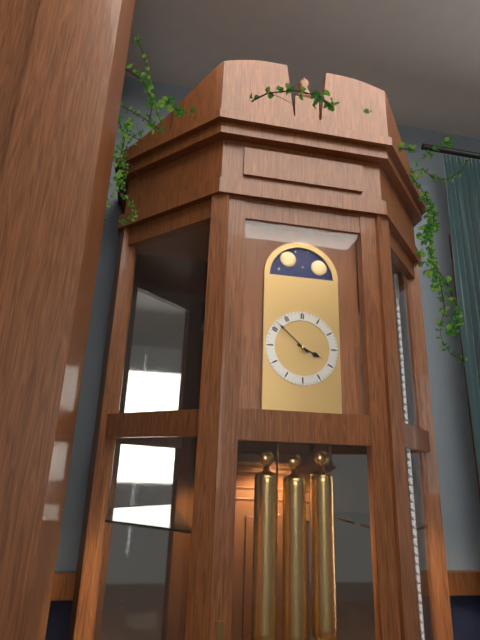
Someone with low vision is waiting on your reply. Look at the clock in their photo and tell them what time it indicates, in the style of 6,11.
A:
3,52
